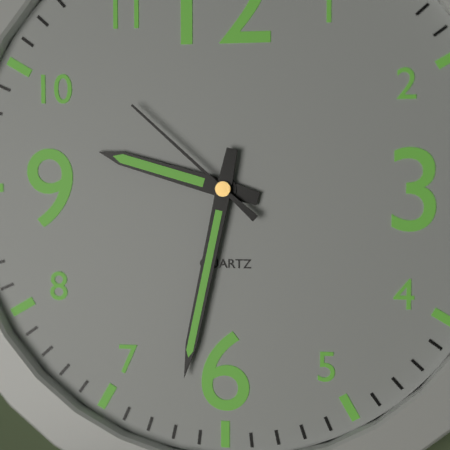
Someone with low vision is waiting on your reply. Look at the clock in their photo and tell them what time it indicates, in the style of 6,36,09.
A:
9,32,52
